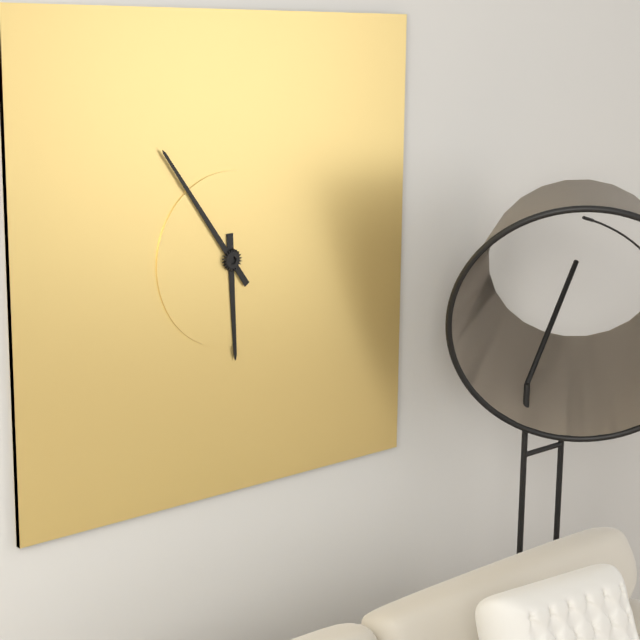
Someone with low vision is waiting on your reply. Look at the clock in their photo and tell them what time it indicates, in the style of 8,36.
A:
5,54
